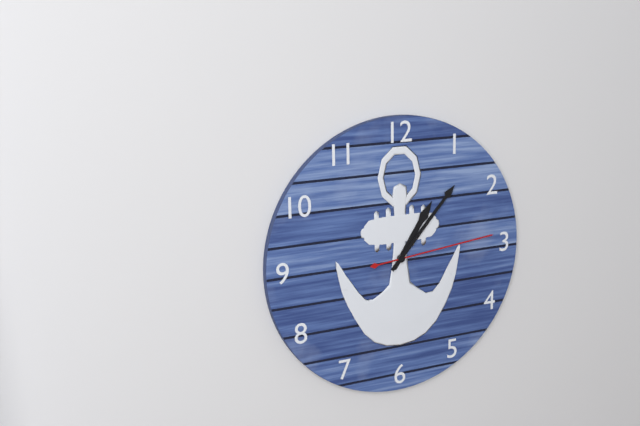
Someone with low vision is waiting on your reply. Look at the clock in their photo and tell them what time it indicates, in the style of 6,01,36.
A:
1,07,14
